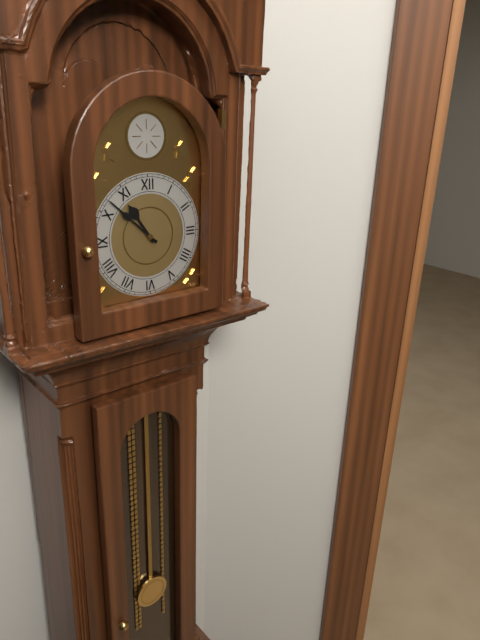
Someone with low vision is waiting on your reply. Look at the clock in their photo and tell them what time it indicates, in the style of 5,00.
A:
10,52
